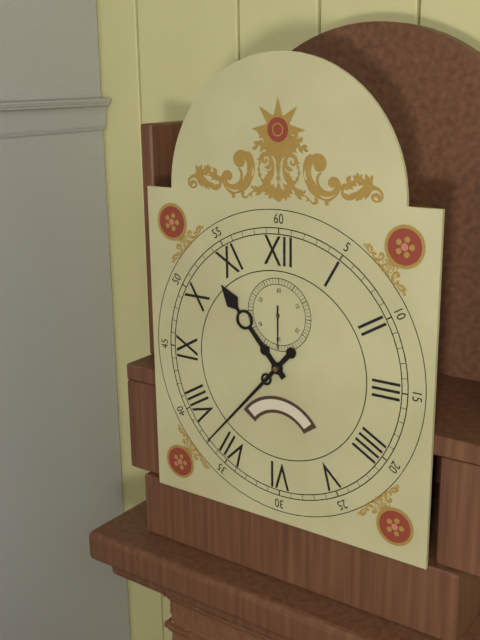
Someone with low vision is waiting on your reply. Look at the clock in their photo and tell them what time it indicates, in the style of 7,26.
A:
10,37
